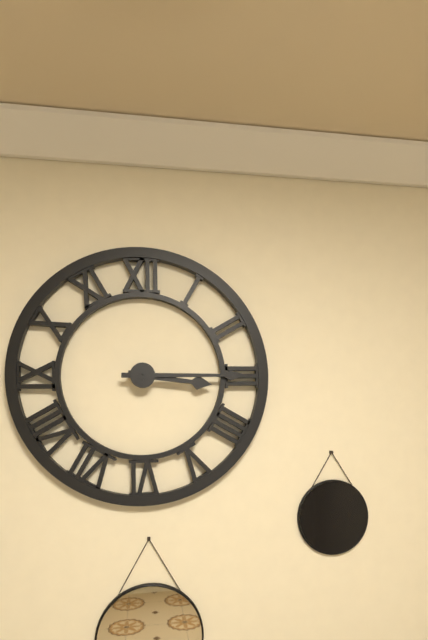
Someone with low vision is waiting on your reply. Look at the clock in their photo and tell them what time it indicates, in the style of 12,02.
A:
3,15
